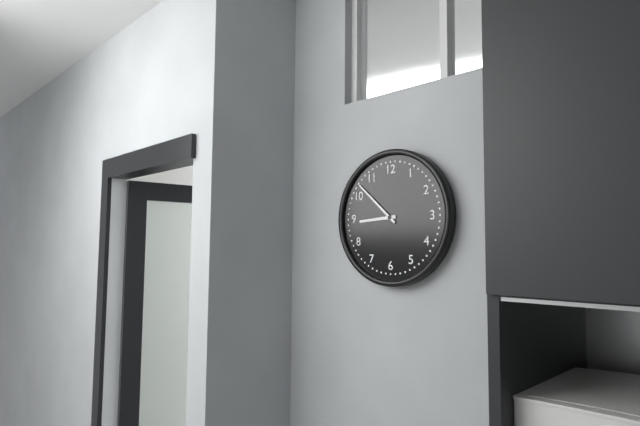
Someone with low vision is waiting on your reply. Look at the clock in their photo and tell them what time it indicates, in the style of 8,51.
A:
8,52
